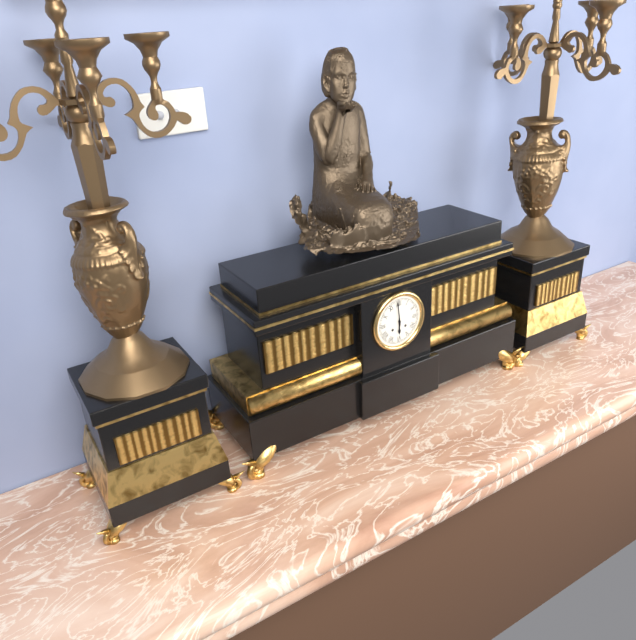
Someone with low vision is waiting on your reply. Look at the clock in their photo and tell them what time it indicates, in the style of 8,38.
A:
5,59
